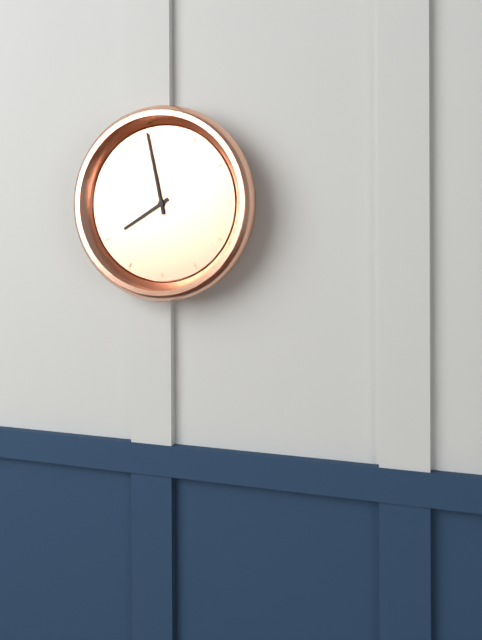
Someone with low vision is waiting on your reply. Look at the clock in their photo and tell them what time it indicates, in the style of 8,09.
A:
7,58
